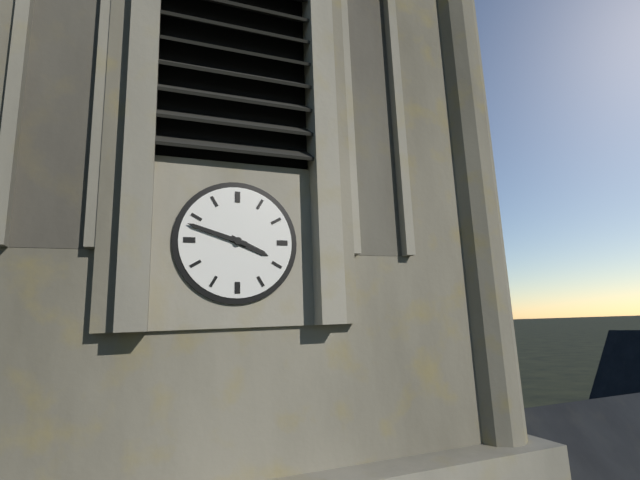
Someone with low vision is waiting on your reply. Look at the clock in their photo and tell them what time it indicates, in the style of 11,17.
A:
3,48
